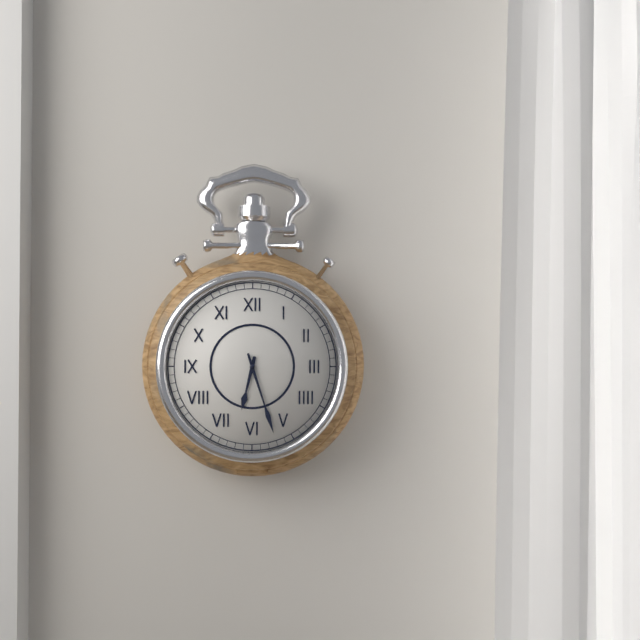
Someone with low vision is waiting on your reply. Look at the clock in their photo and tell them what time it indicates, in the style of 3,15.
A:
6,27
